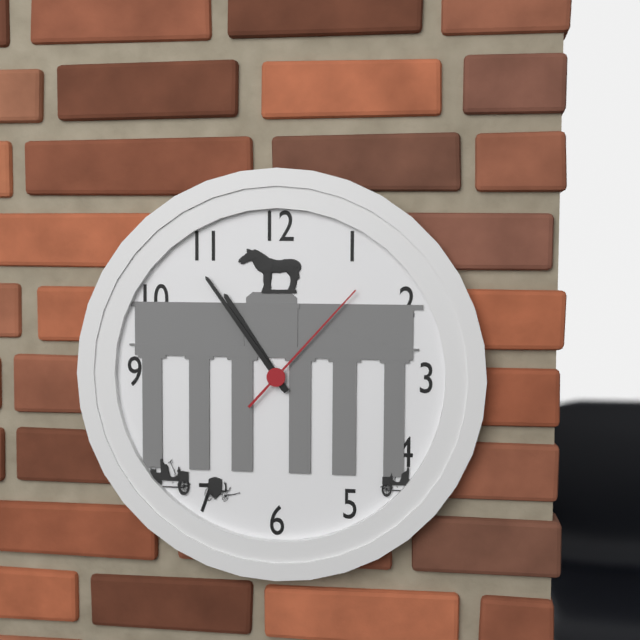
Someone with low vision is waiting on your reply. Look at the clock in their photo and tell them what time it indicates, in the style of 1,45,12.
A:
10,54,07
